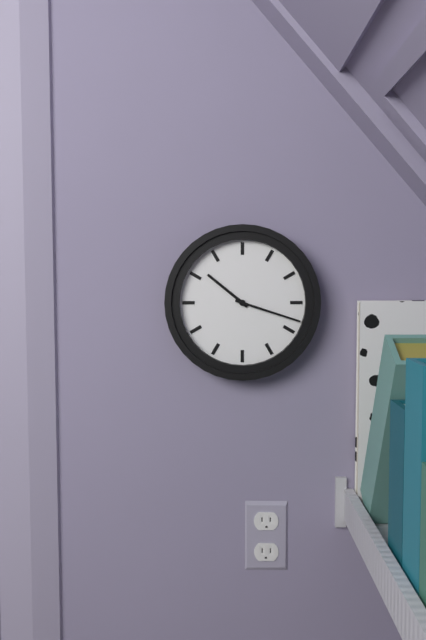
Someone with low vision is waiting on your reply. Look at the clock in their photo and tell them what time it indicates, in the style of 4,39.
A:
10,18
